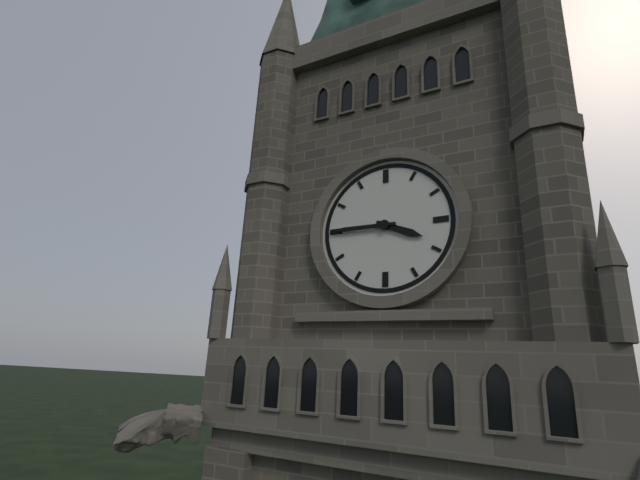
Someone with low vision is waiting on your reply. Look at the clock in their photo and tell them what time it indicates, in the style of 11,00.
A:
3,45
